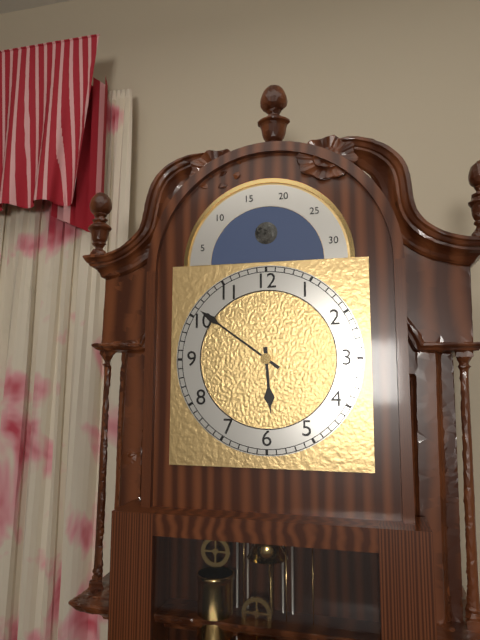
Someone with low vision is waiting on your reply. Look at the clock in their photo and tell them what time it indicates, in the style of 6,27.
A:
5,51
